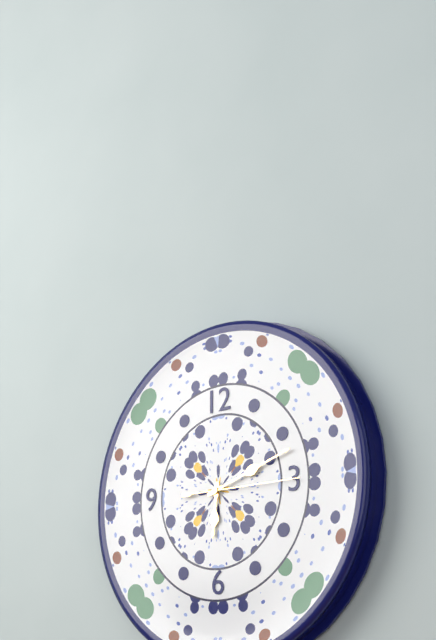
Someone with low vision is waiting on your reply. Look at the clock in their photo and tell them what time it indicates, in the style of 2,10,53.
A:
6,12,15
